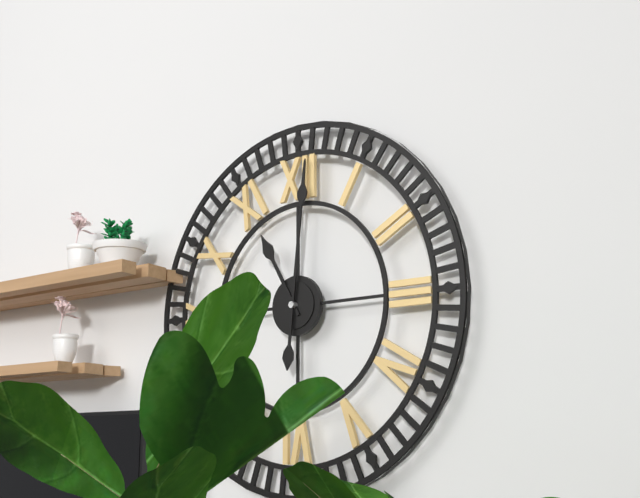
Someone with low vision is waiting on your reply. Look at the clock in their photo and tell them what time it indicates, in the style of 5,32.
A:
11,01
